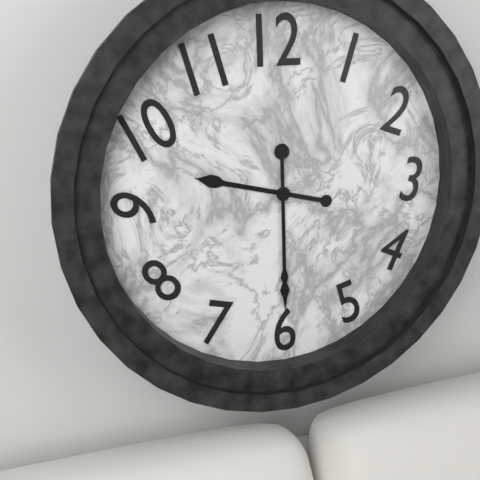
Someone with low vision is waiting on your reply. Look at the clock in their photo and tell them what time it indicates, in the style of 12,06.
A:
9,30
